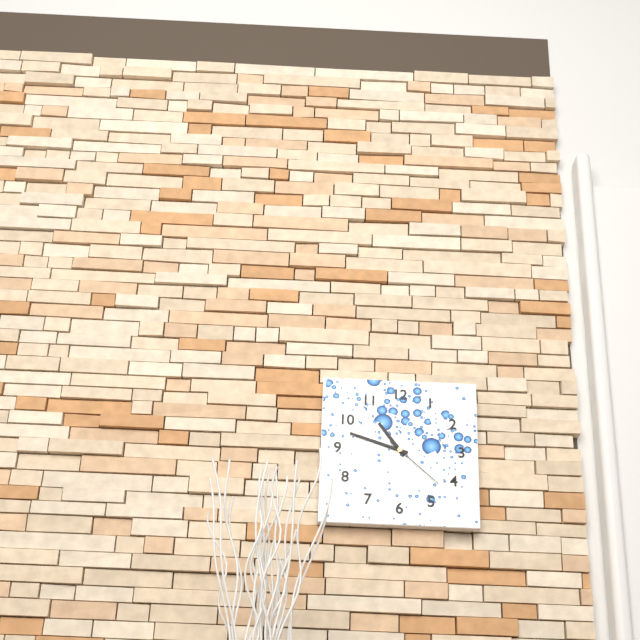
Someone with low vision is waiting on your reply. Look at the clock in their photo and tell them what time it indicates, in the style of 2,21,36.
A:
10,48,22
